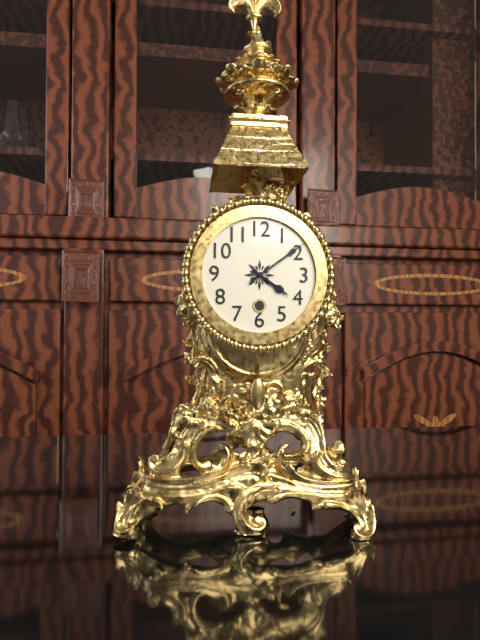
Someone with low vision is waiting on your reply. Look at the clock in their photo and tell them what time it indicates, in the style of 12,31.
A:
4,09
